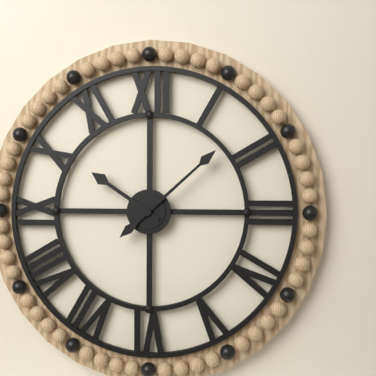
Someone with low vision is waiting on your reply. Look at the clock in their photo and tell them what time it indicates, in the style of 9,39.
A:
10,08
